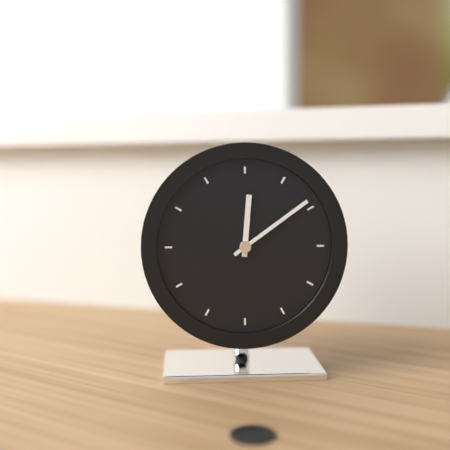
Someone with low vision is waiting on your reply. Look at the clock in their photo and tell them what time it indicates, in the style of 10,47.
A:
12,09
